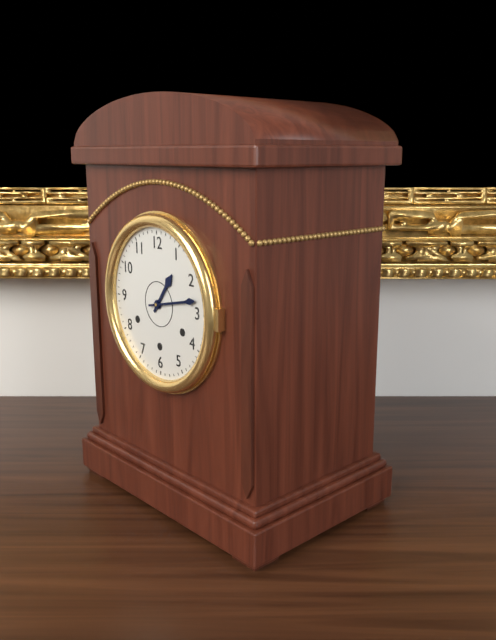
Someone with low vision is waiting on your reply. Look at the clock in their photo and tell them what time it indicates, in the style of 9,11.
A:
1,13
